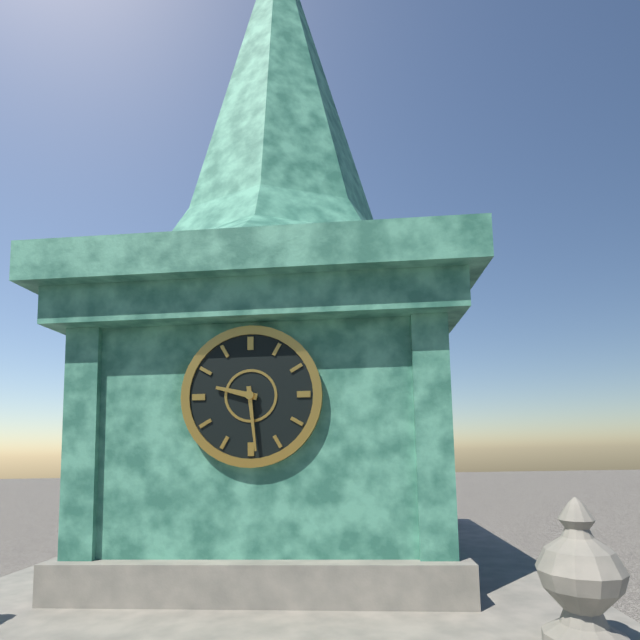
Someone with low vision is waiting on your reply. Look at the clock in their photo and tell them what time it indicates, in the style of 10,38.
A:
9,29
